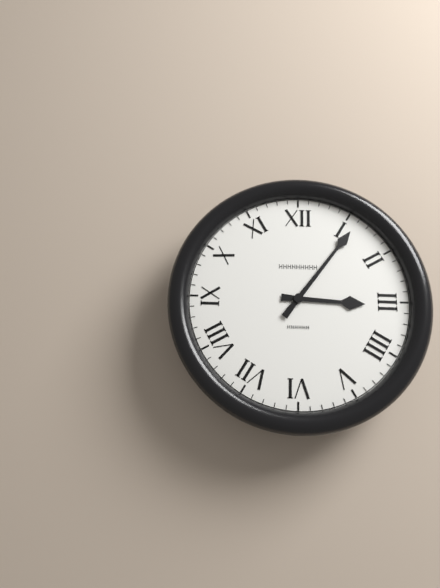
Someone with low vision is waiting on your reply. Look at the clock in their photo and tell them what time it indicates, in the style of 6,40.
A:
3,06
